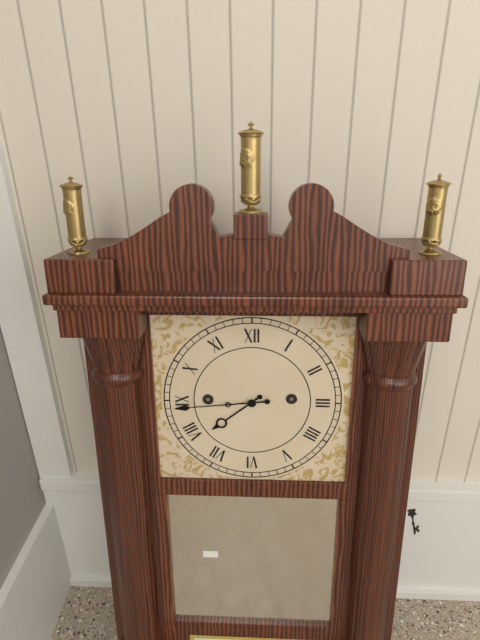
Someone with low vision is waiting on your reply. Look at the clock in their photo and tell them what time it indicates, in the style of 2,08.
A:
7,44
